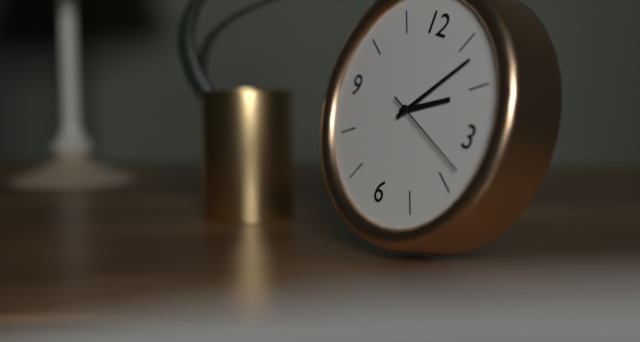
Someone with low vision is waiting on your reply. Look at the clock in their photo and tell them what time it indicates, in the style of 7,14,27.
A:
2,07,18
